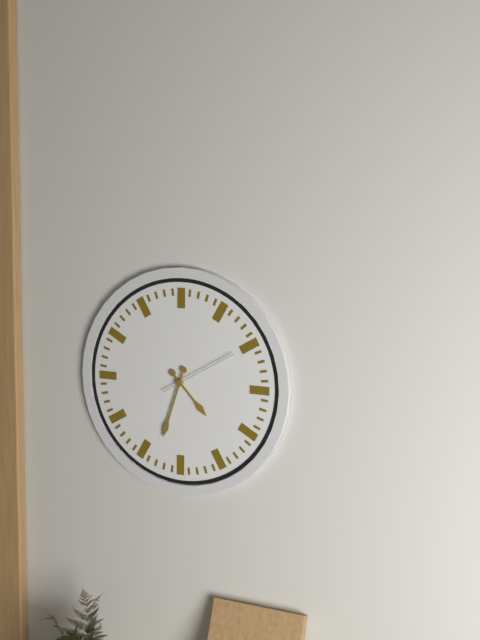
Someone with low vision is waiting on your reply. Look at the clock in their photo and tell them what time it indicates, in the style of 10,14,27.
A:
4,33,10
